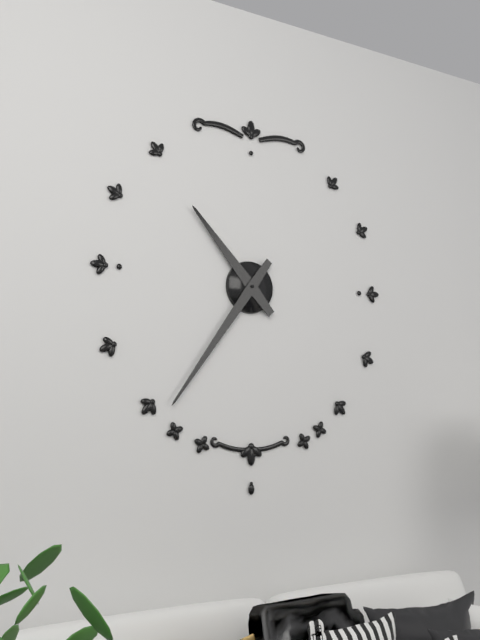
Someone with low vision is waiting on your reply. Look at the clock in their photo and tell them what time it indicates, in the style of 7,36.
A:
10,36
